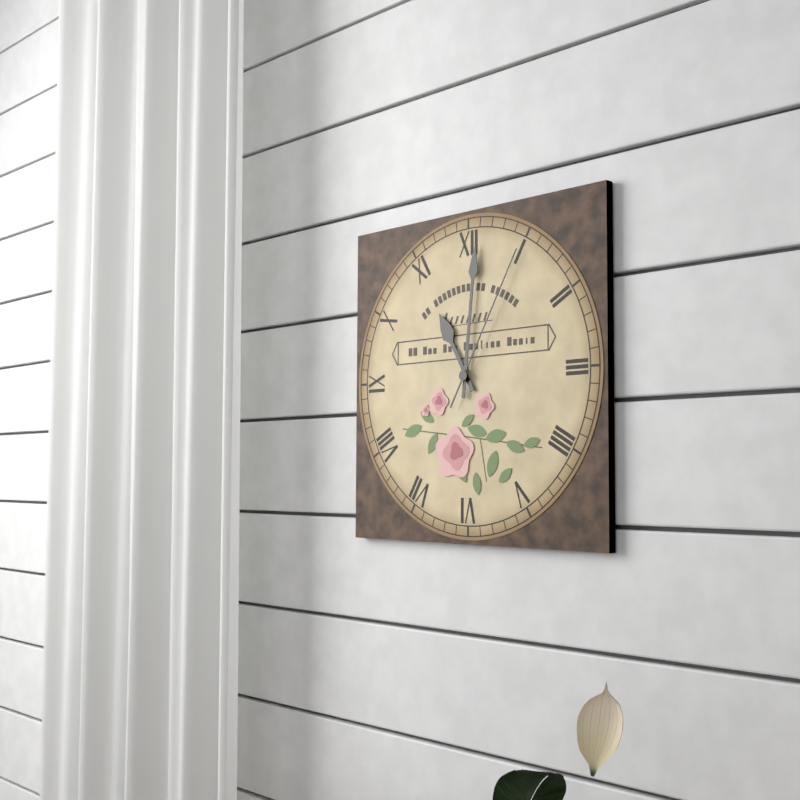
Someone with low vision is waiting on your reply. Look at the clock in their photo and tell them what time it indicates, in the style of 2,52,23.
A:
11,01,05
